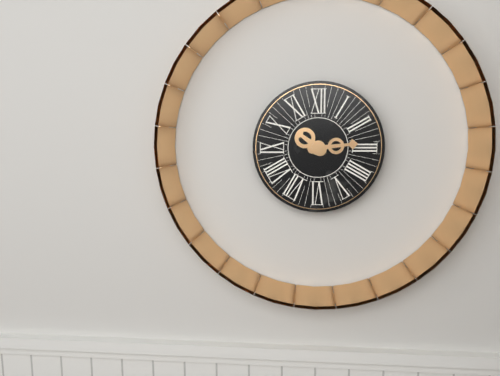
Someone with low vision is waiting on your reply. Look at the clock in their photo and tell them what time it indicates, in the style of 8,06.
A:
10,14
